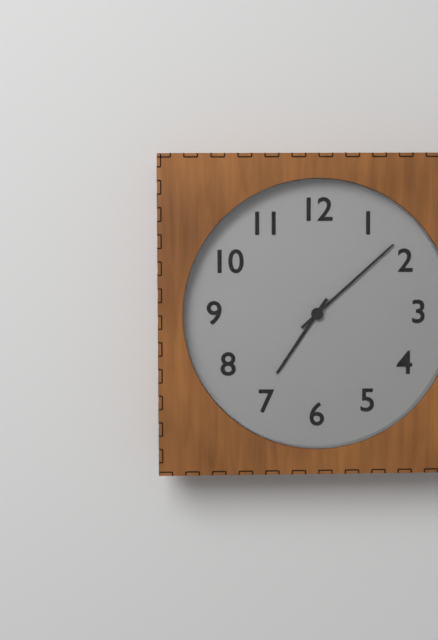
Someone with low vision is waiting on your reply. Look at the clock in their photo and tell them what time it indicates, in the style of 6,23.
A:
7,08
